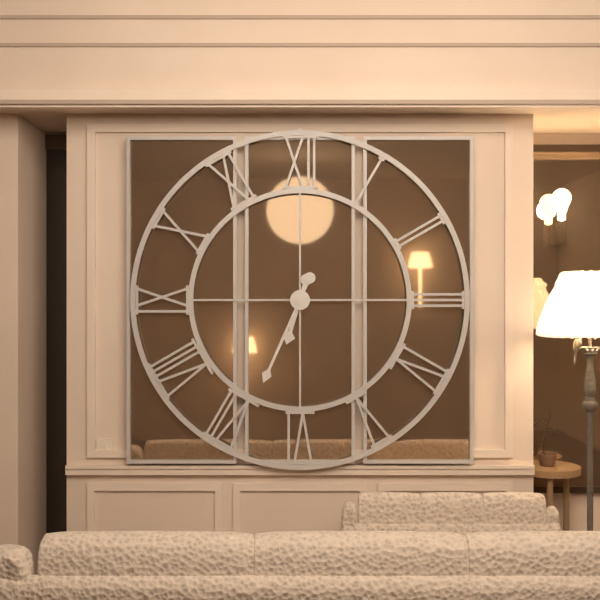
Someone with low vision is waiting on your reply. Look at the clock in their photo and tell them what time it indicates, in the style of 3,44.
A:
6,34
